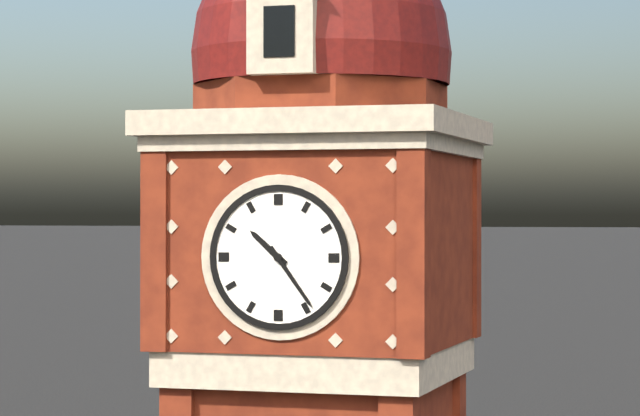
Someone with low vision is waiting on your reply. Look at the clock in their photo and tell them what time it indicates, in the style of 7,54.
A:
10,24
